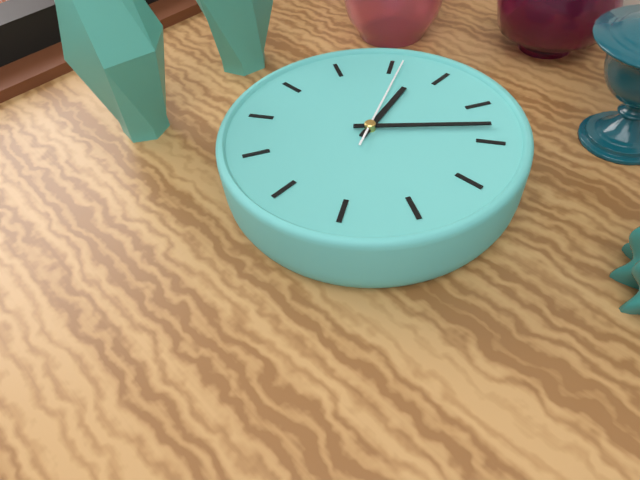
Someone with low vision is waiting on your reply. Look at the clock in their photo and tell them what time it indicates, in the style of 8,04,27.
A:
4,33,21
